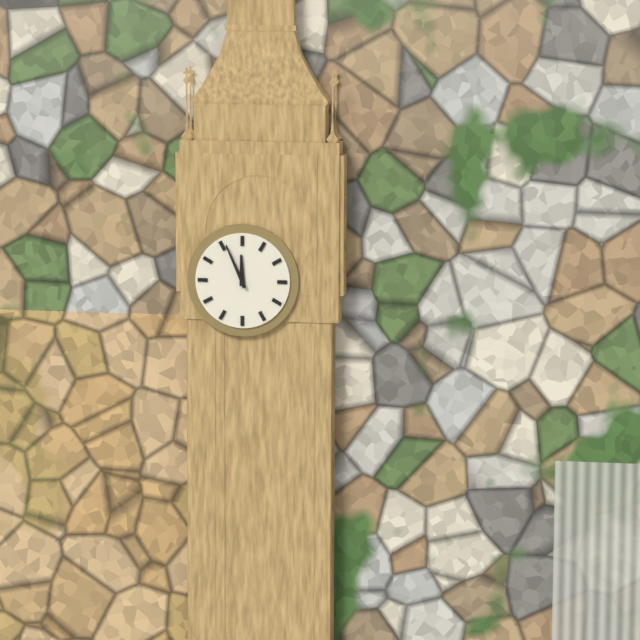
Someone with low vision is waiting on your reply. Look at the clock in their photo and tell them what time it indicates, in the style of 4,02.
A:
11,56
